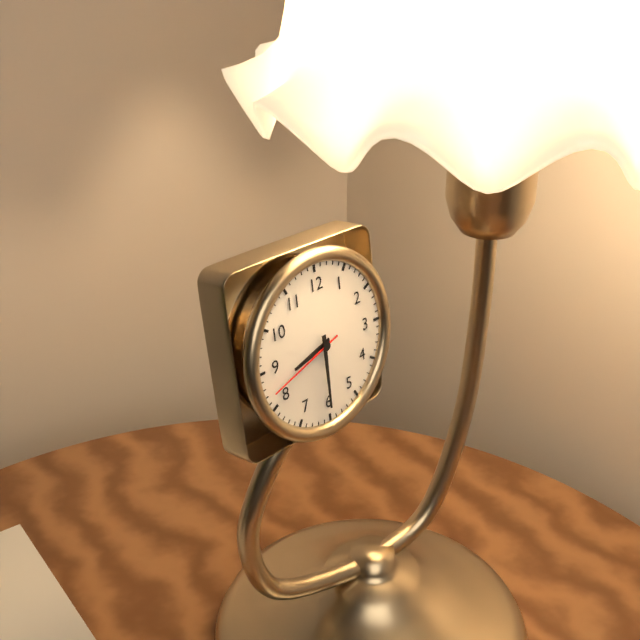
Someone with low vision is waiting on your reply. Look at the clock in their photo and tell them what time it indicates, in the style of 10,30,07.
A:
8,30,42
